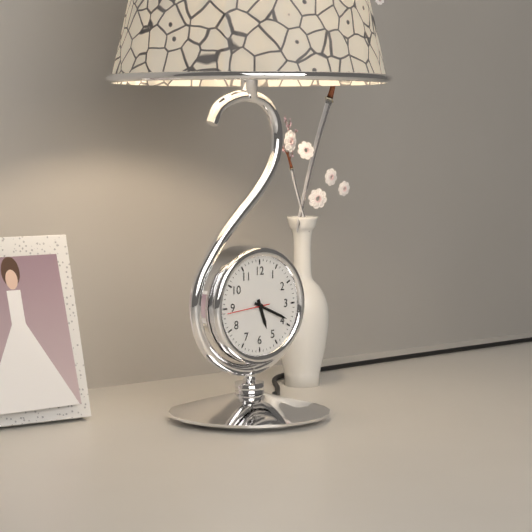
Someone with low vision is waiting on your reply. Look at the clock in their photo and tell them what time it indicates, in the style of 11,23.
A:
5,19
